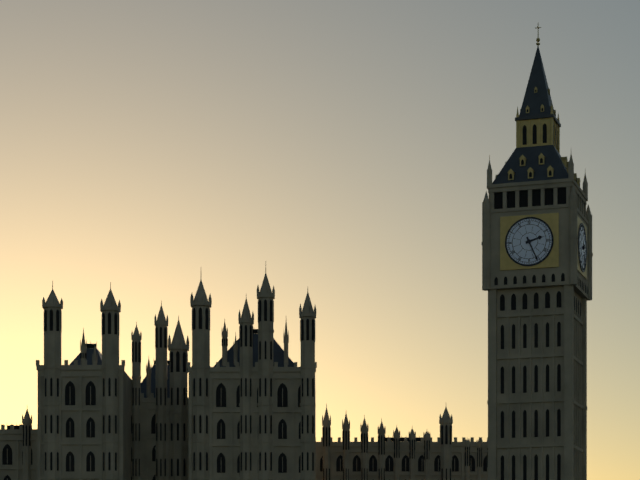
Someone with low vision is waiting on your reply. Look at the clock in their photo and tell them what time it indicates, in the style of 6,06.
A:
2,26
